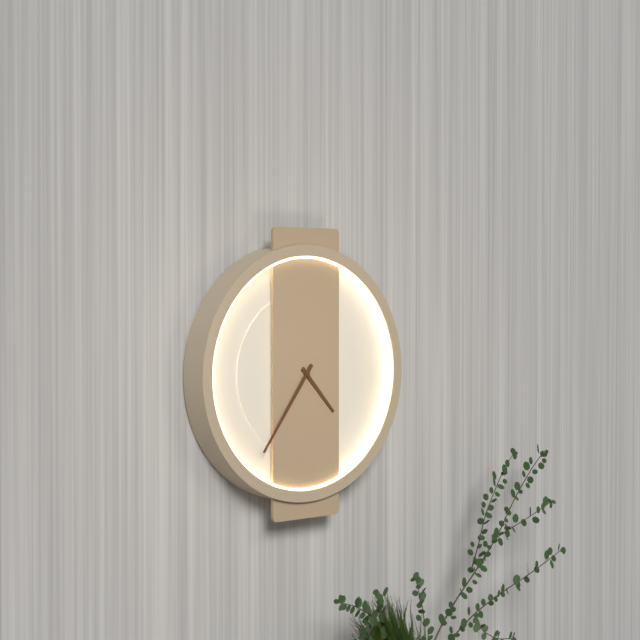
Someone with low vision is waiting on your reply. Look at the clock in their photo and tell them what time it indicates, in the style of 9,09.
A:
4,36
